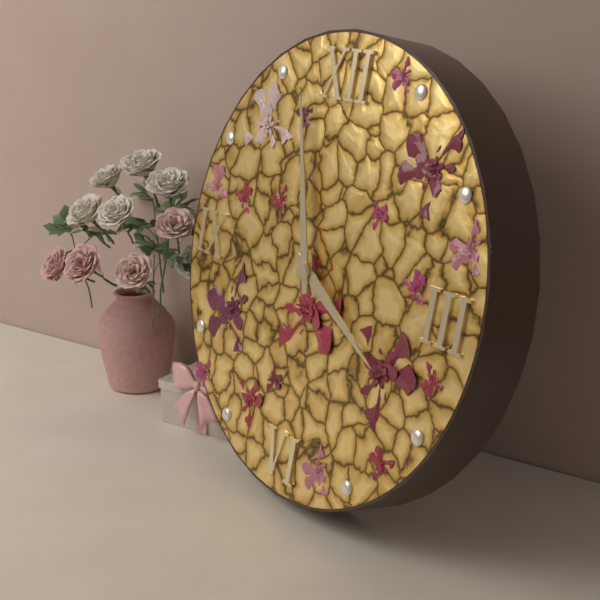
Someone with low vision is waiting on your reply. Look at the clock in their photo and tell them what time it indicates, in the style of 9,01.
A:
3,57
